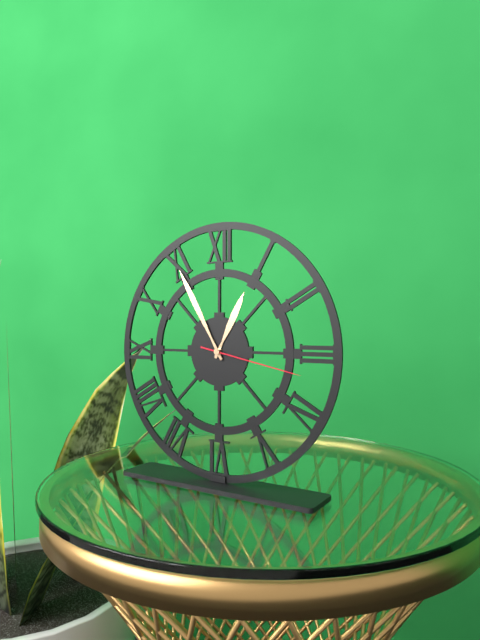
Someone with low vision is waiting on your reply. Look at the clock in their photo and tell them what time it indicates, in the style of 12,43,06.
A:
12,55,17
